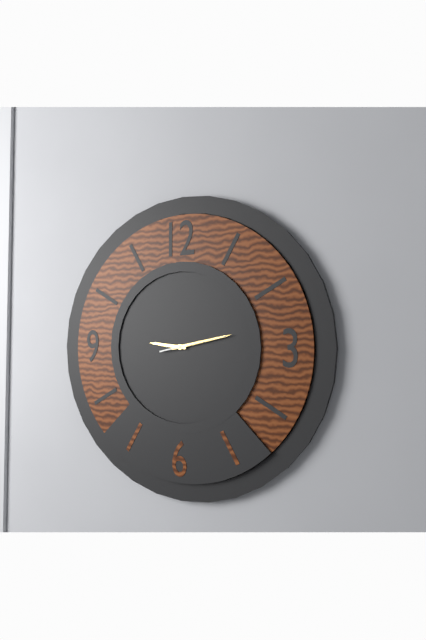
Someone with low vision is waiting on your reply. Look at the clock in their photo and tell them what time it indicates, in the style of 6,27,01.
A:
9,13,13
